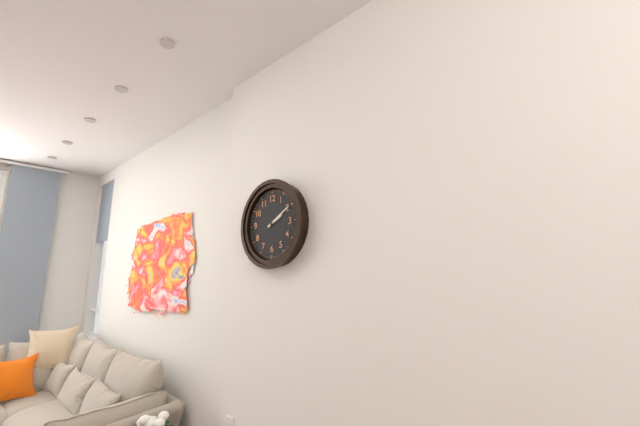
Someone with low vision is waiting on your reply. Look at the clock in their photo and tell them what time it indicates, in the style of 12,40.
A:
2,10
